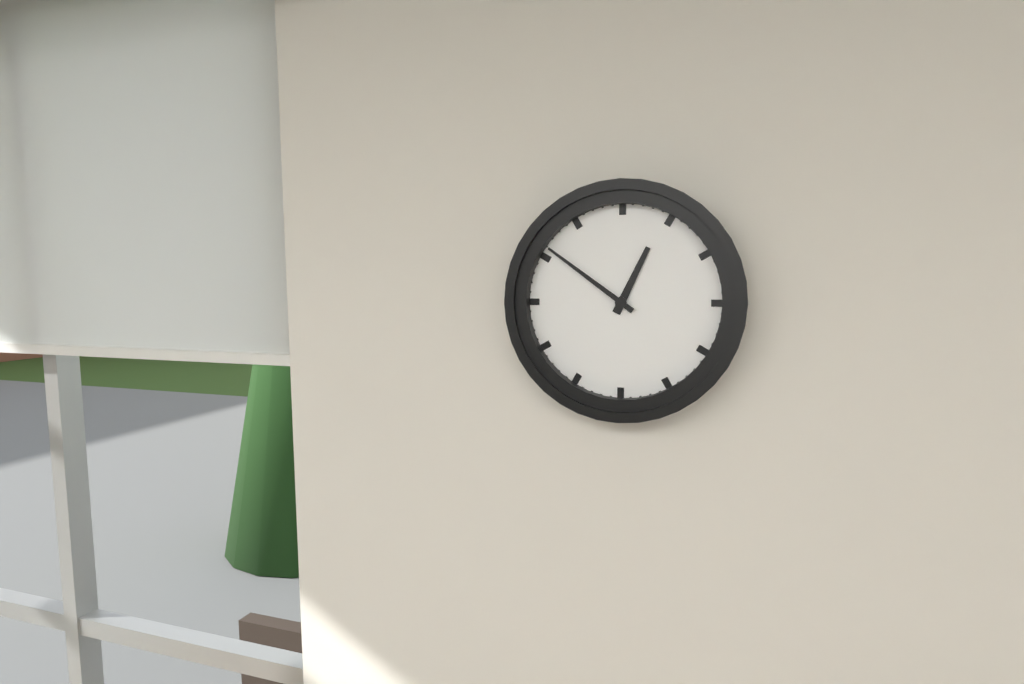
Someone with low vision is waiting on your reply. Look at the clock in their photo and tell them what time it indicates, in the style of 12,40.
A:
12,51
